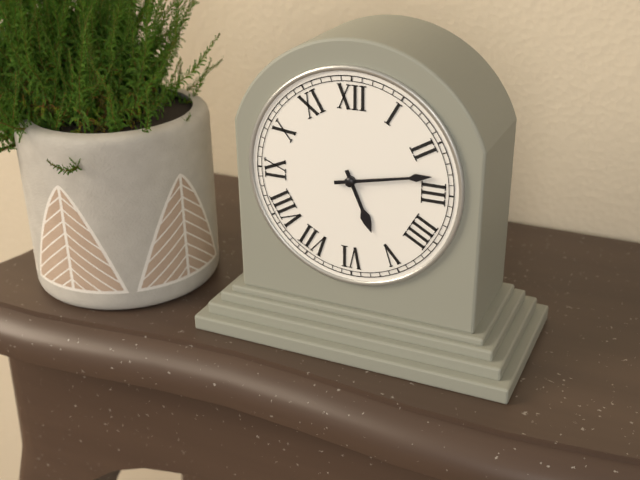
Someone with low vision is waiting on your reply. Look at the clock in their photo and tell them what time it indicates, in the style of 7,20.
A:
5,13
